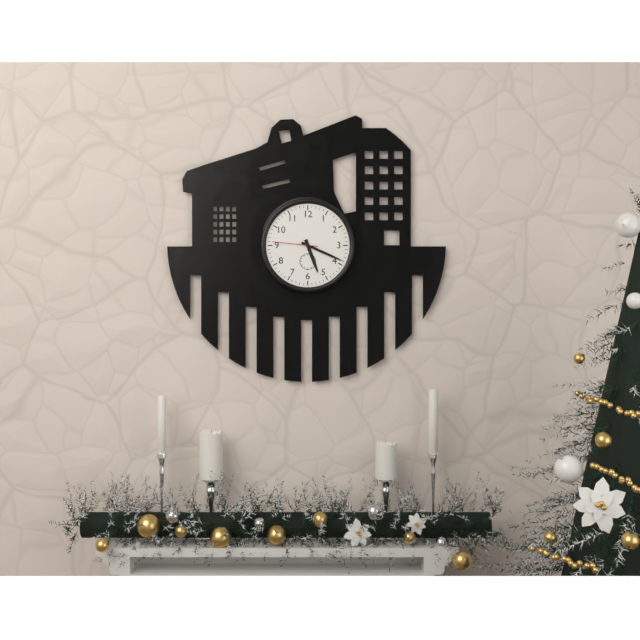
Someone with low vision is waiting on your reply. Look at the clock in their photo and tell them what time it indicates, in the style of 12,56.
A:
5,19
